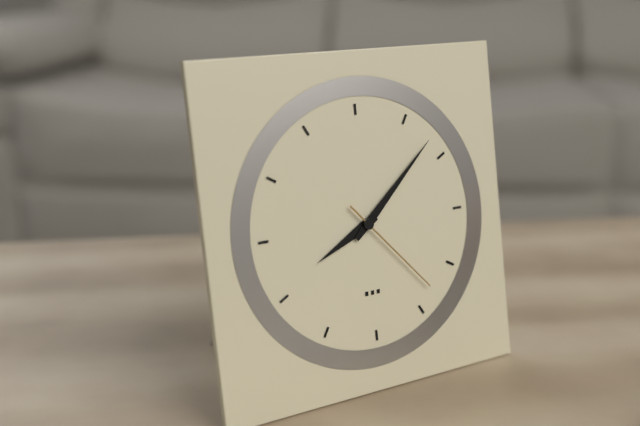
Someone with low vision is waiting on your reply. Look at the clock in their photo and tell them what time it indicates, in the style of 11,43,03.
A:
8,08,23
